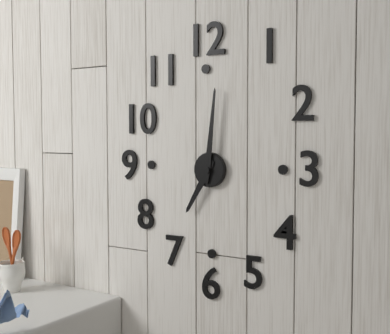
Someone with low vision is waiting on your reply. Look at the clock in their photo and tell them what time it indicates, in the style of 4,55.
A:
7,01
